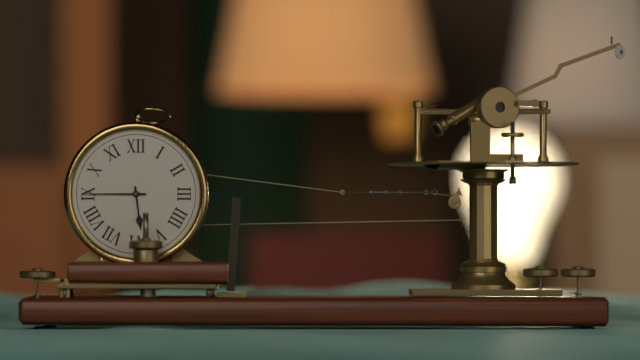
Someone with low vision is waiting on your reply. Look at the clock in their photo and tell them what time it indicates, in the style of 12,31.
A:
5,45
